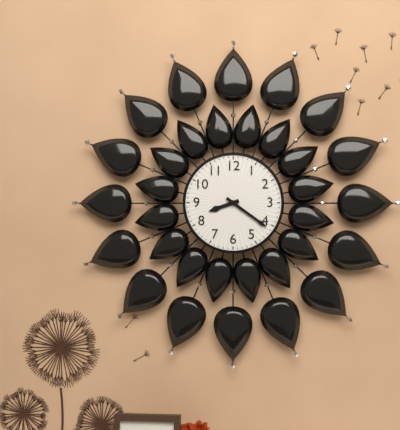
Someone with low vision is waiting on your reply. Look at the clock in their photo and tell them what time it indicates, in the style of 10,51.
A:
8,21
